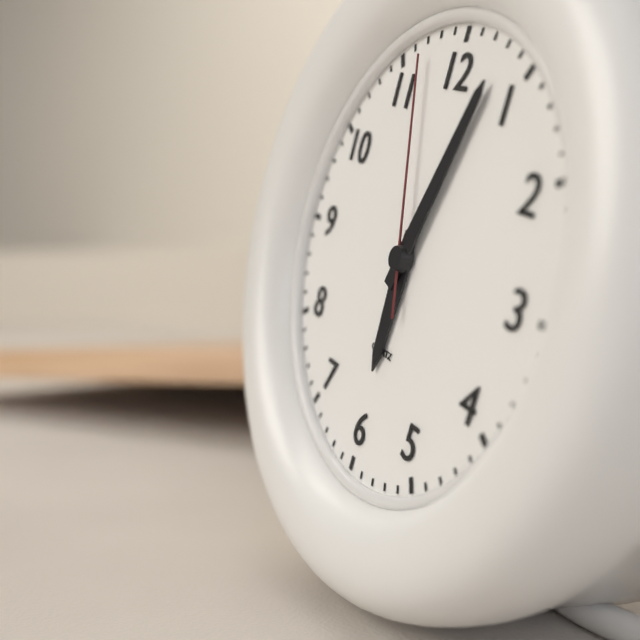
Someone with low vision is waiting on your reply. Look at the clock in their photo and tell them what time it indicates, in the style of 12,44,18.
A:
6,03,57
